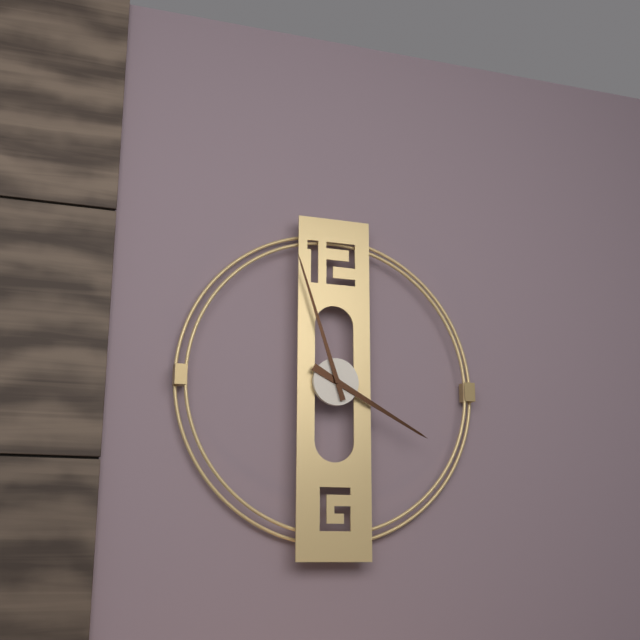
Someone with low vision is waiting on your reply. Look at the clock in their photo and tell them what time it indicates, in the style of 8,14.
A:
3,57
